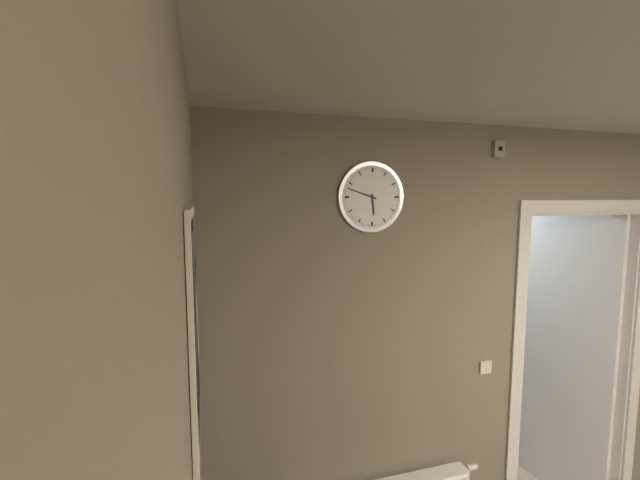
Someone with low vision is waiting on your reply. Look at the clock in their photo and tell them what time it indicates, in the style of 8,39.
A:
5,48
